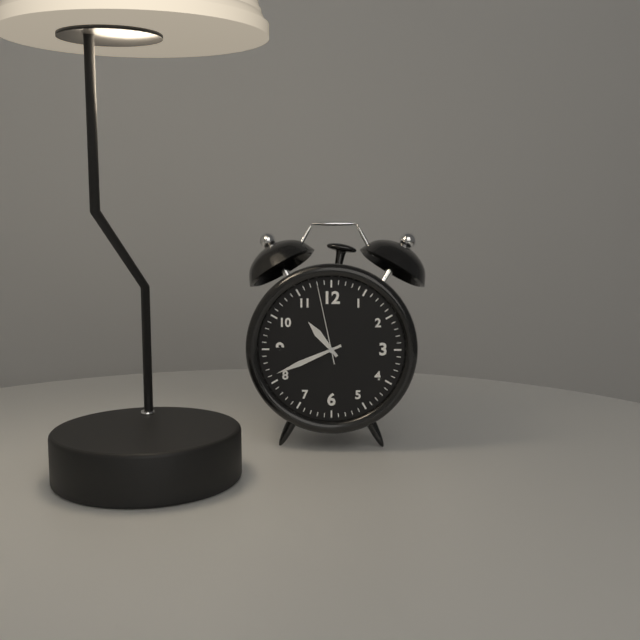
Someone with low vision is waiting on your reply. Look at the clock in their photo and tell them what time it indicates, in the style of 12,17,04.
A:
10,41,58
